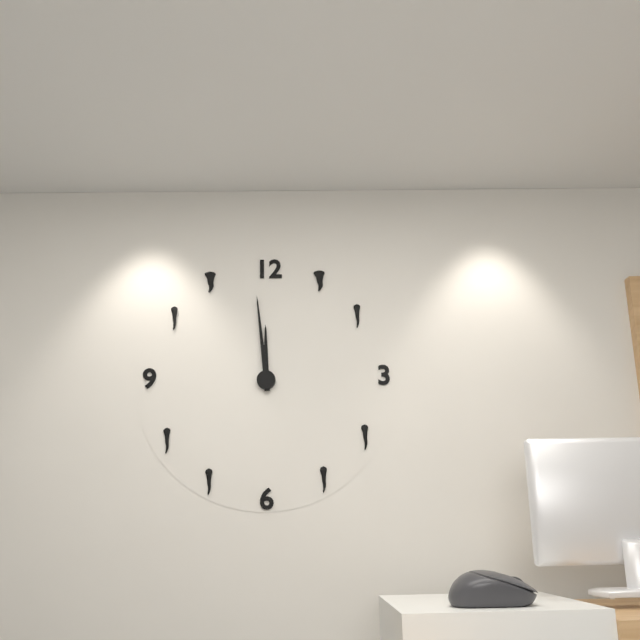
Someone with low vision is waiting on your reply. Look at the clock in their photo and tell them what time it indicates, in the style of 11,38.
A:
11,59
